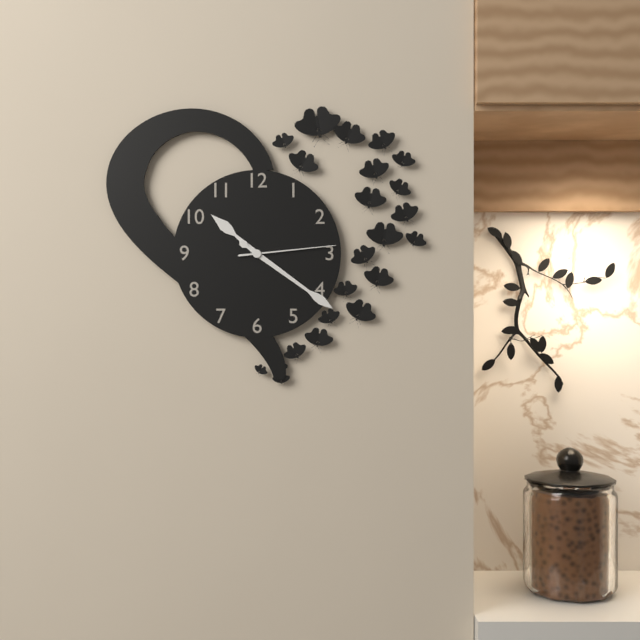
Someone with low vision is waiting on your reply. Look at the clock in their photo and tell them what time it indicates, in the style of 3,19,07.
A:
10,21,14
